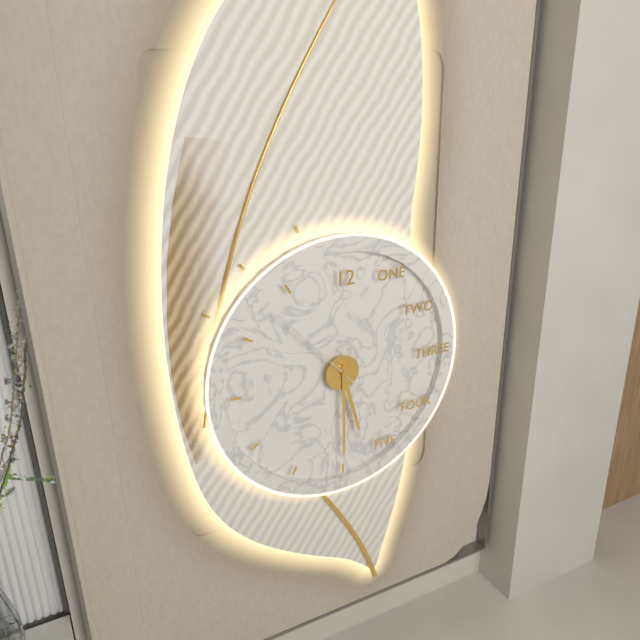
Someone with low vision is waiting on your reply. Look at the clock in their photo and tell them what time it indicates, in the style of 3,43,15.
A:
5,30,53
